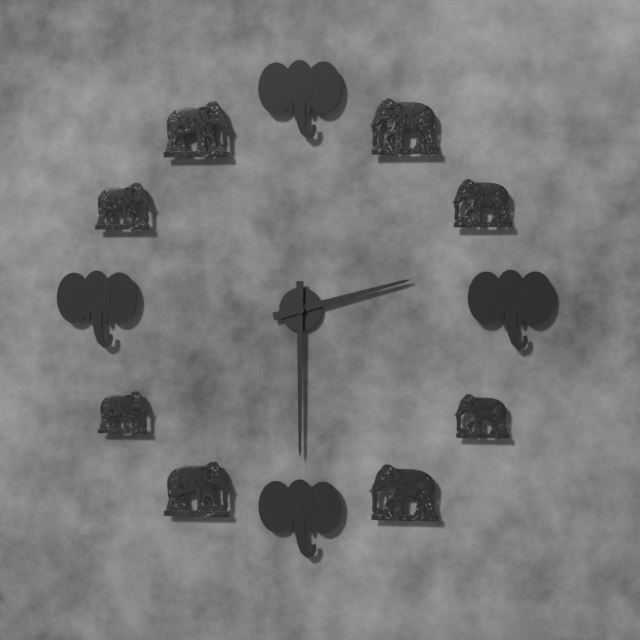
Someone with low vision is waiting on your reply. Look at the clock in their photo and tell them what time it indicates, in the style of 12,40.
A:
2,30
